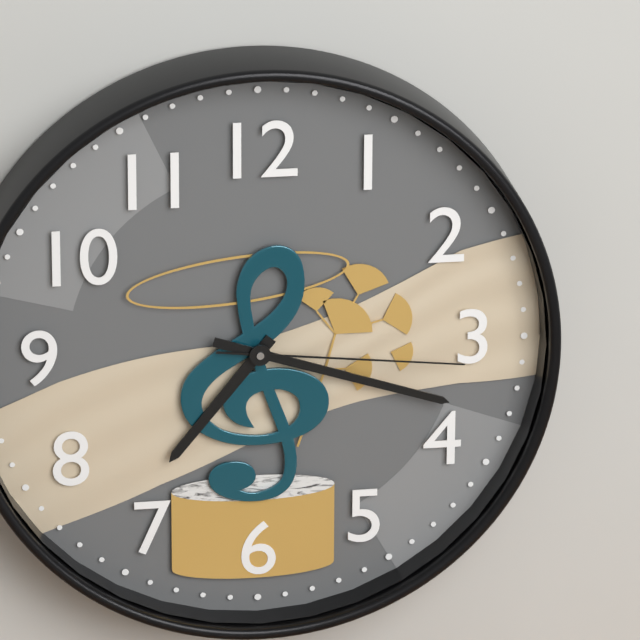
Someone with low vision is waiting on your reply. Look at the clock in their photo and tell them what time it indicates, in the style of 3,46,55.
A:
7,18,16
